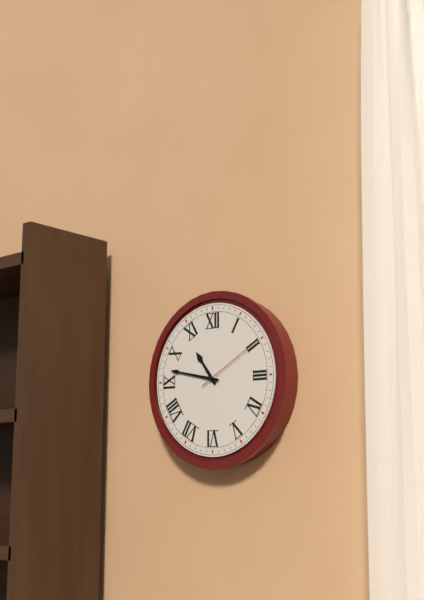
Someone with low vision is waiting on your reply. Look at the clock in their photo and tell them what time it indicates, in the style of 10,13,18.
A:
10,47,10
